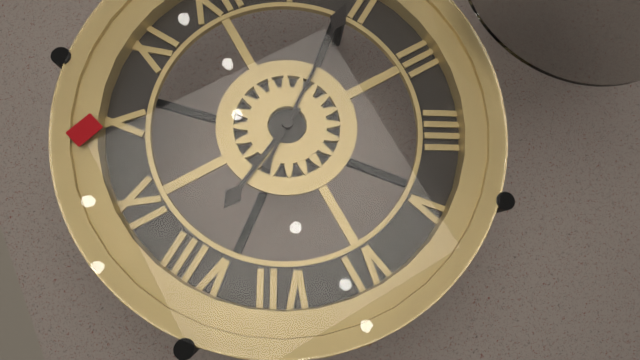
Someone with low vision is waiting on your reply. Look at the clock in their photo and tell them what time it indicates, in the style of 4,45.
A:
8,09
